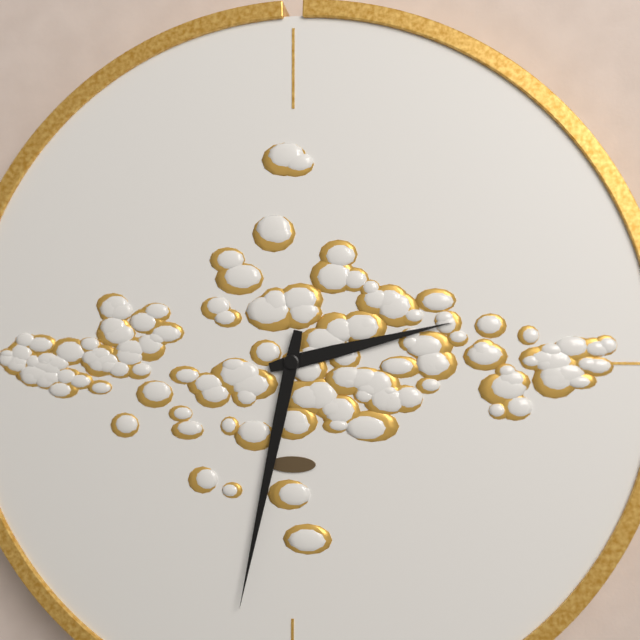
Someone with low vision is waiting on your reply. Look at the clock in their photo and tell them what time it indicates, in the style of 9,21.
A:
2,32
